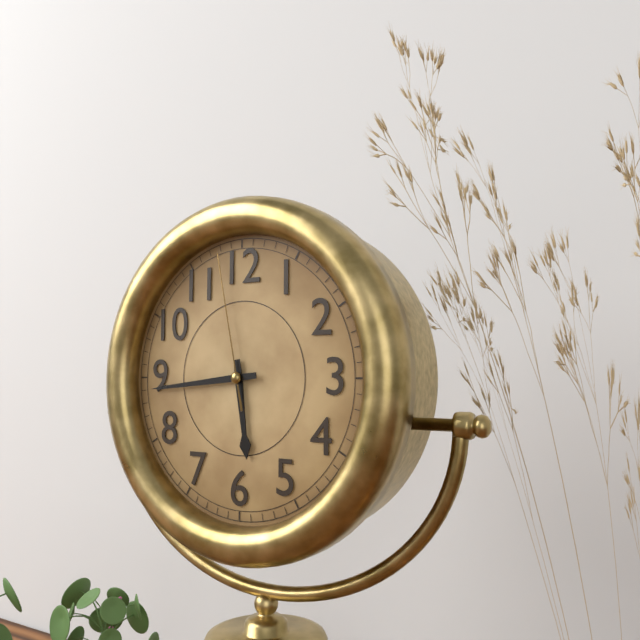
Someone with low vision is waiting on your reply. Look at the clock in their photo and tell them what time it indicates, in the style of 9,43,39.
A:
5,44,58
